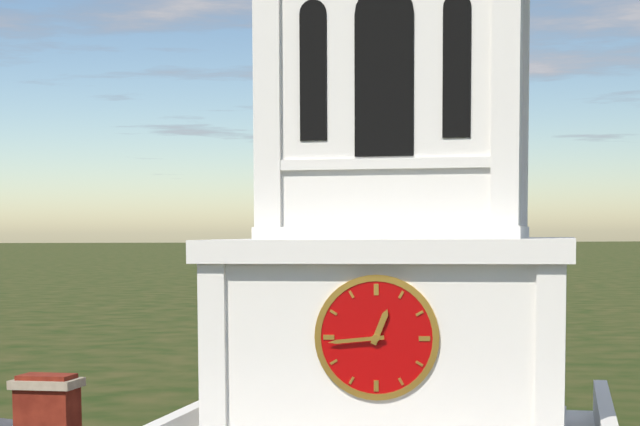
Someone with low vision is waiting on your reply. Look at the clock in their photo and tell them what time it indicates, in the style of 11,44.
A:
12,44
